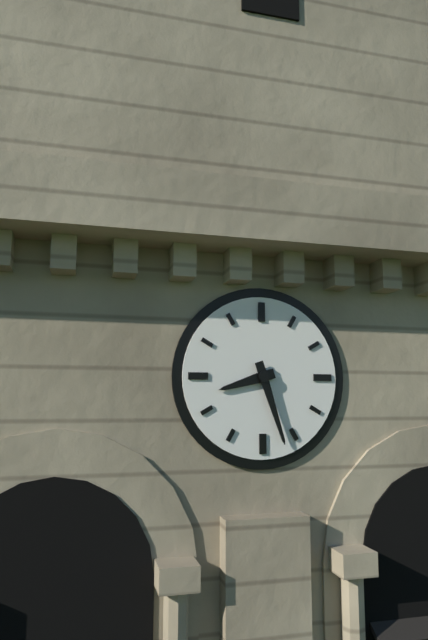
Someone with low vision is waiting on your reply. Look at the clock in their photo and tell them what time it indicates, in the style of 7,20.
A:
8,27
